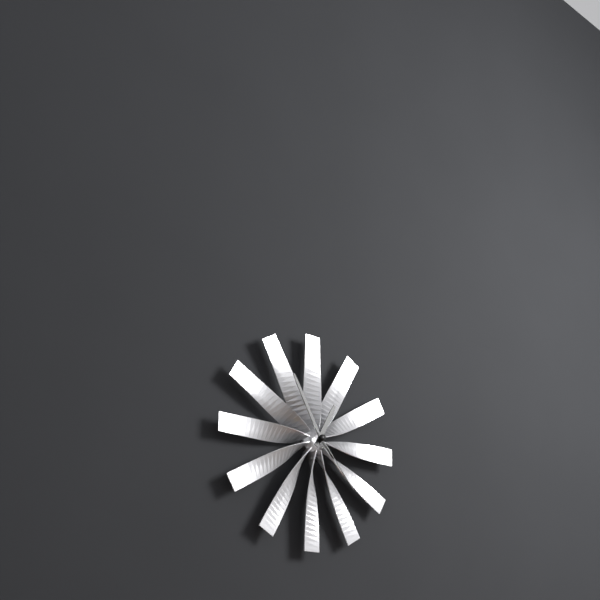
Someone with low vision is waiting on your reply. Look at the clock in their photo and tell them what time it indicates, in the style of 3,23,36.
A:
12,55,23
